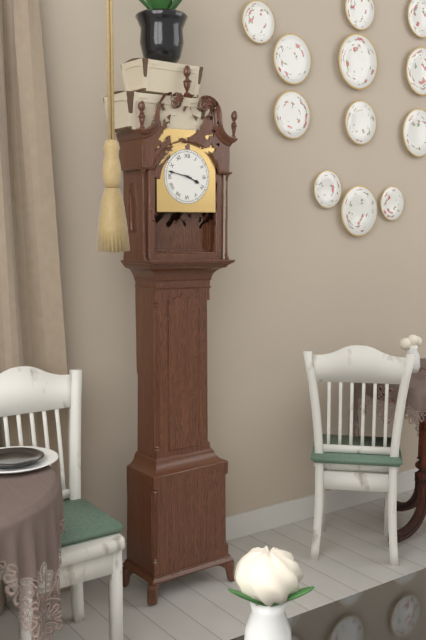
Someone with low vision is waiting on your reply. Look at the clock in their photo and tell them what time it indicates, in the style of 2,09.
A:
3,47
